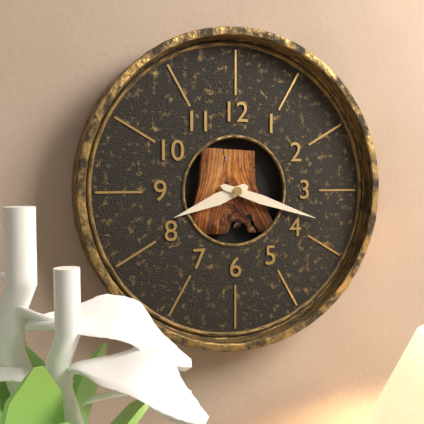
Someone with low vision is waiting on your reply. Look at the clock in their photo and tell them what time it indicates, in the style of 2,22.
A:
8,18
